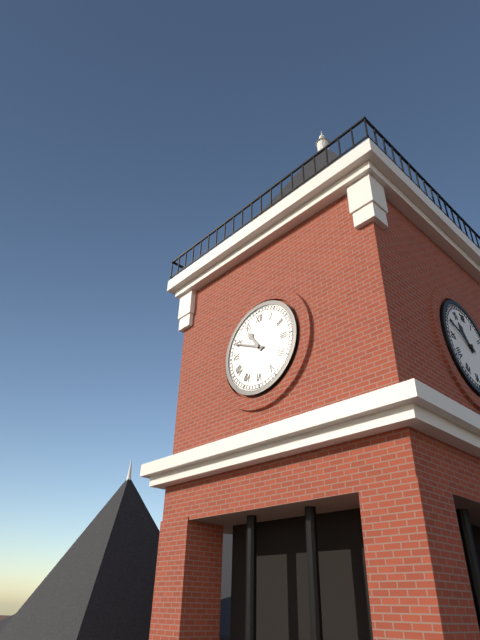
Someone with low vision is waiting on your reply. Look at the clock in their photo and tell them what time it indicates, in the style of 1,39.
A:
10,49
